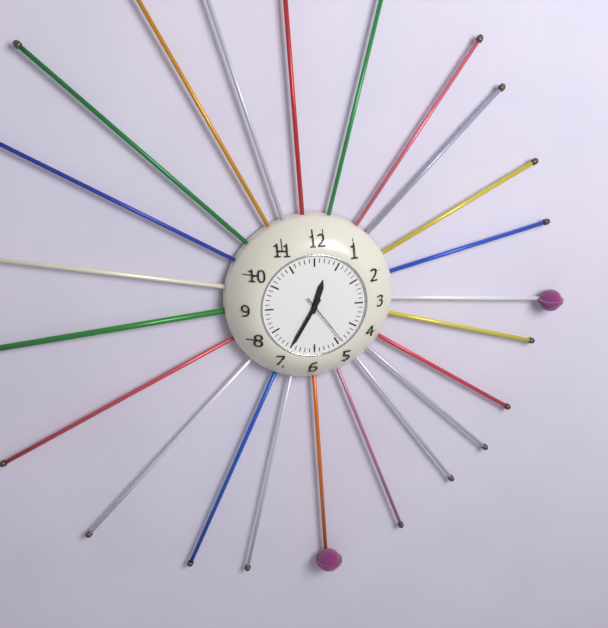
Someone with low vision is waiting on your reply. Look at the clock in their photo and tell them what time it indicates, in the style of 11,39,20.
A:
12,35,24
